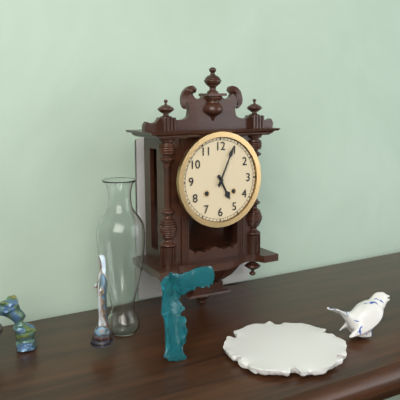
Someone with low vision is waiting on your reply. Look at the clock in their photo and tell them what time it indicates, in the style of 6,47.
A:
5,04
